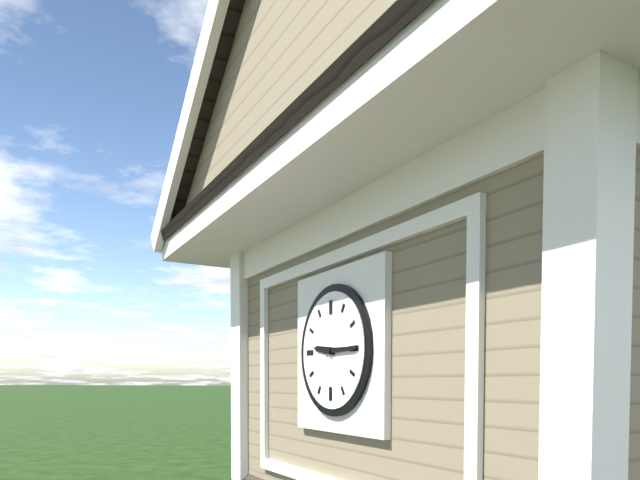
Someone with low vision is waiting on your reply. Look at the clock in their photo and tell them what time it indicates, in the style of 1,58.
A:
9,15
